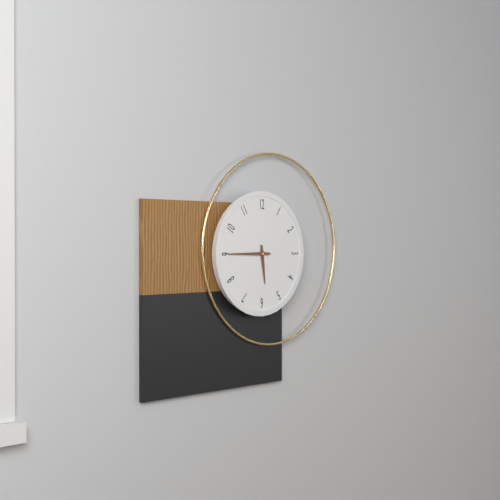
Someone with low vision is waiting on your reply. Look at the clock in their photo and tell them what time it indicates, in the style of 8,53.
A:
5,45
